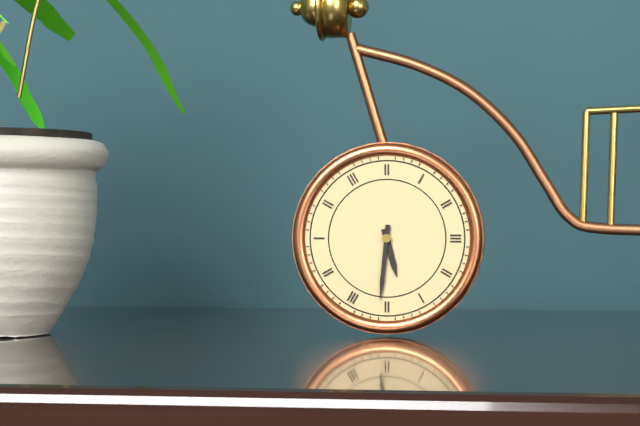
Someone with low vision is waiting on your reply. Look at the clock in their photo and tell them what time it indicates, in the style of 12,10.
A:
5,31
